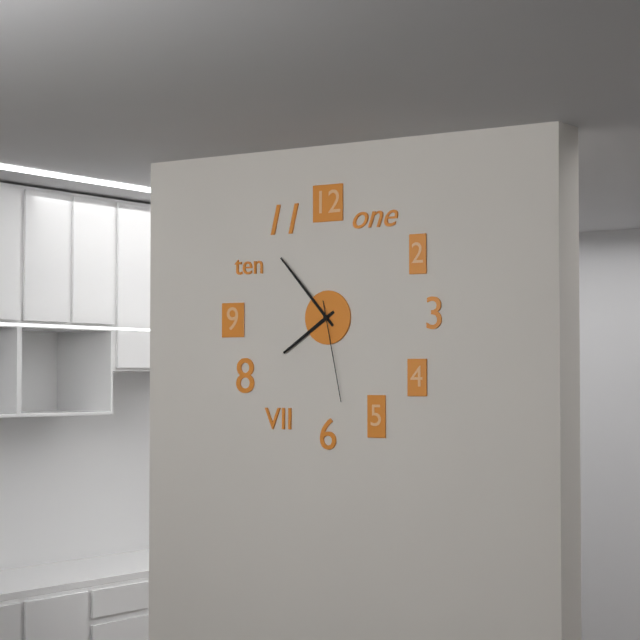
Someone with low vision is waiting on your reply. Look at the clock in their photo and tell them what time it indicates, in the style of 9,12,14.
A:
7,53,28
